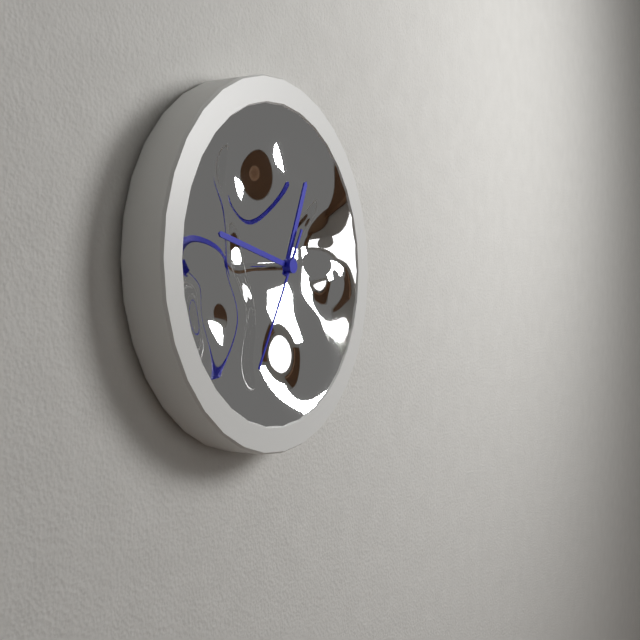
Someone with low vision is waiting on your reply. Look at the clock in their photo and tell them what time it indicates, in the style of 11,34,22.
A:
12,47,35
